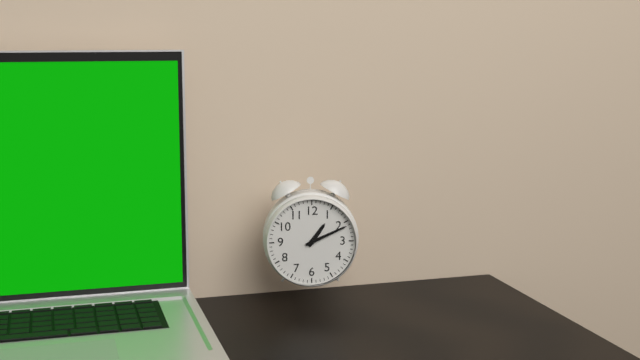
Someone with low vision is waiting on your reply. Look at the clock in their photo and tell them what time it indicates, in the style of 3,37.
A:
1,11
